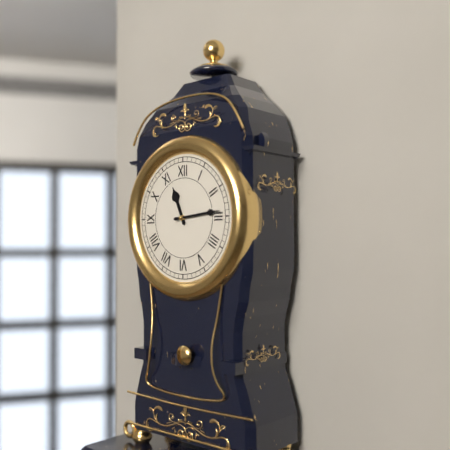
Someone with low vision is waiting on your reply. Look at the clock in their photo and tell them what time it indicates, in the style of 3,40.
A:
11,14
